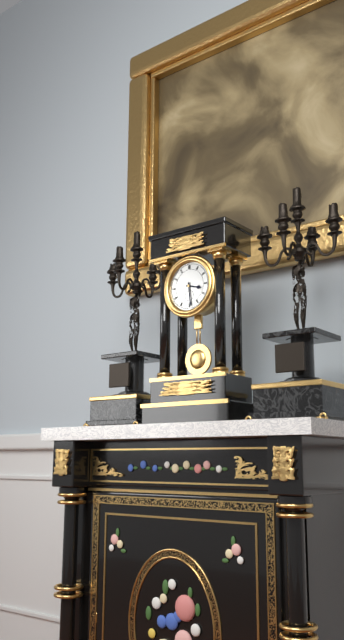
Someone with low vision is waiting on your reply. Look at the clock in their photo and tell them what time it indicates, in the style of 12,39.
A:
3,29
